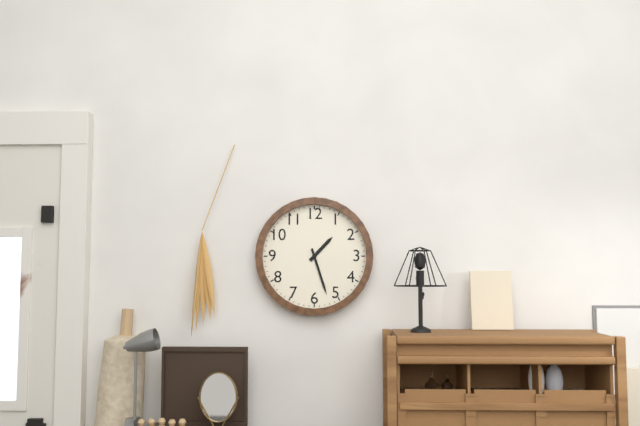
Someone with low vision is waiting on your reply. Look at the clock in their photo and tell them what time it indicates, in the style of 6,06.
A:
1,27
